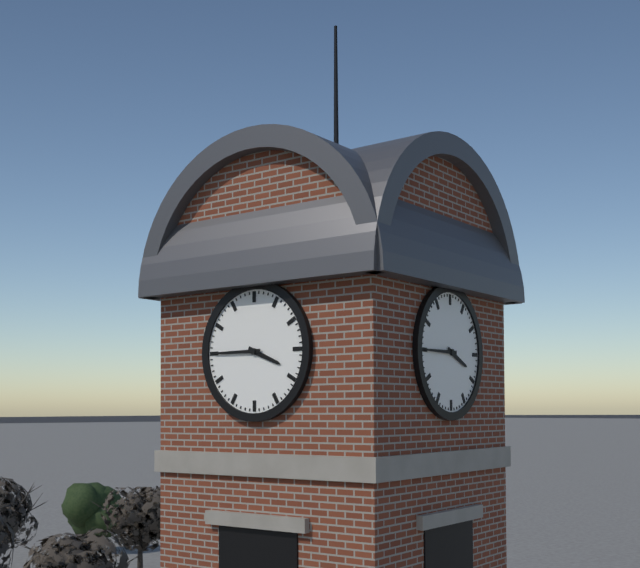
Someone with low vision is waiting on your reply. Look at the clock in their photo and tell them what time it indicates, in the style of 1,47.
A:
3,45
